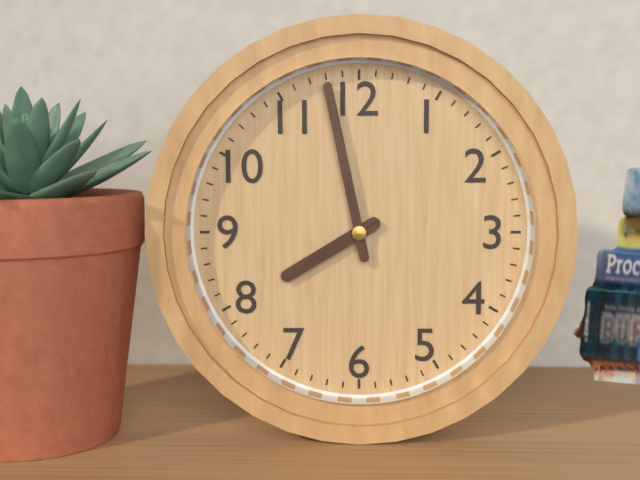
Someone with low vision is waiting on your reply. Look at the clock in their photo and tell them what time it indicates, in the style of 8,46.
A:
7,58
